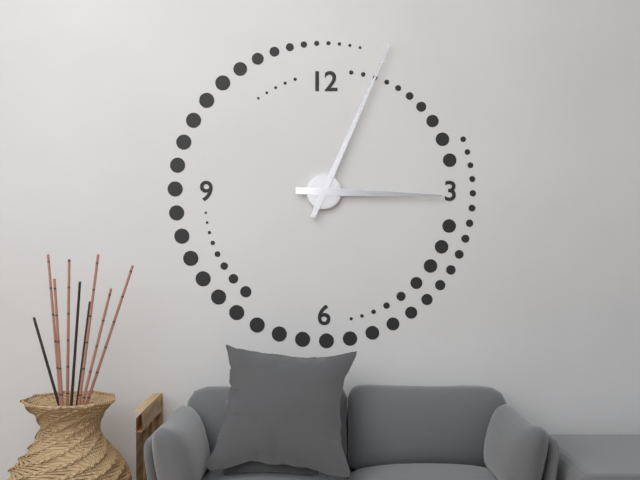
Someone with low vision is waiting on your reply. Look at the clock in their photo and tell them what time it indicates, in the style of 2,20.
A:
3,04
